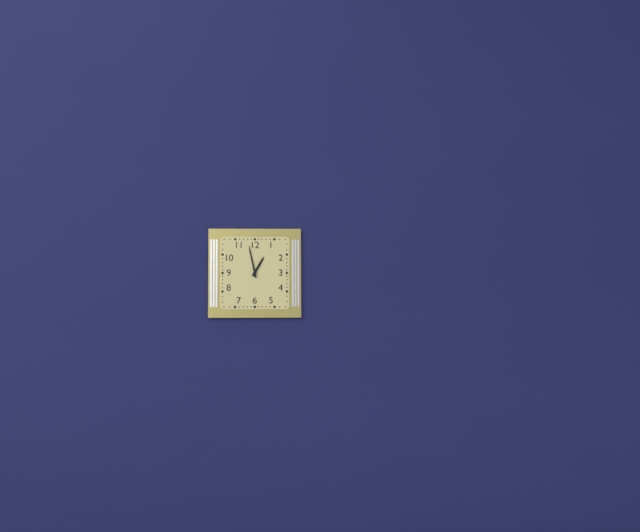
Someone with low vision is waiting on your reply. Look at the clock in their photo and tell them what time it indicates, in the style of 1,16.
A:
12,58
